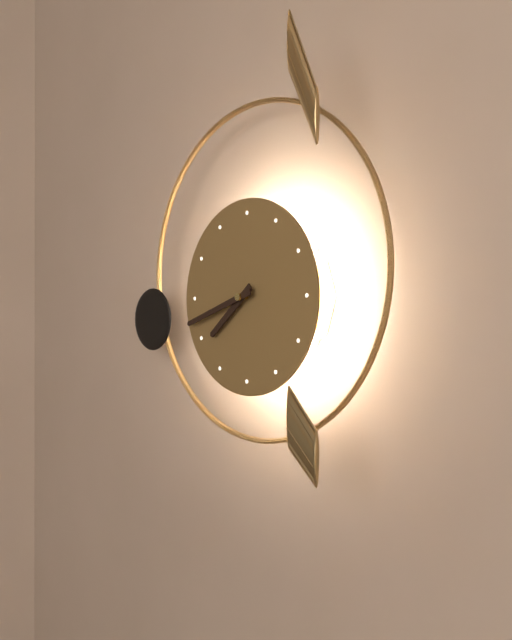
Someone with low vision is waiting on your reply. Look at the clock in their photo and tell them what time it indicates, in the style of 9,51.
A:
7,42
